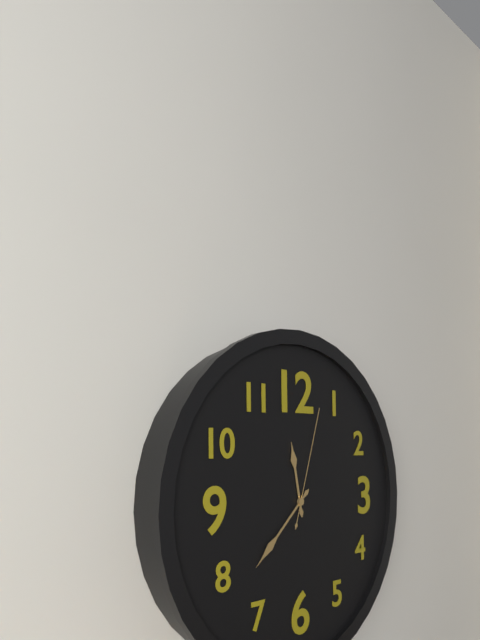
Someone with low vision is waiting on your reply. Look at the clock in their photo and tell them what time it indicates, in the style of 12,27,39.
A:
11,38,03
